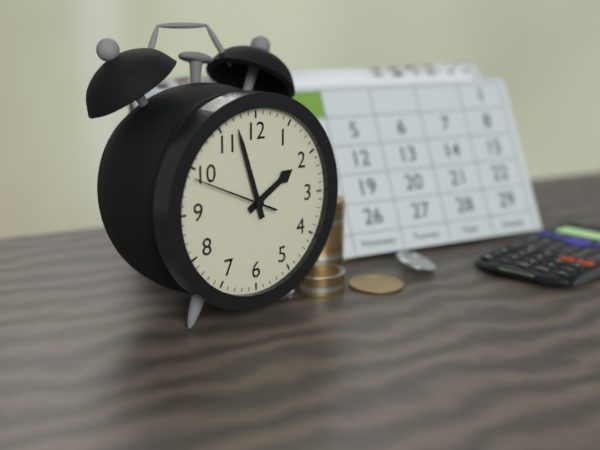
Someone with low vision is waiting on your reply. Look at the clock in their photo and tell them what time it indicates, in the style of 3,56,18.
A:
1,57,49
